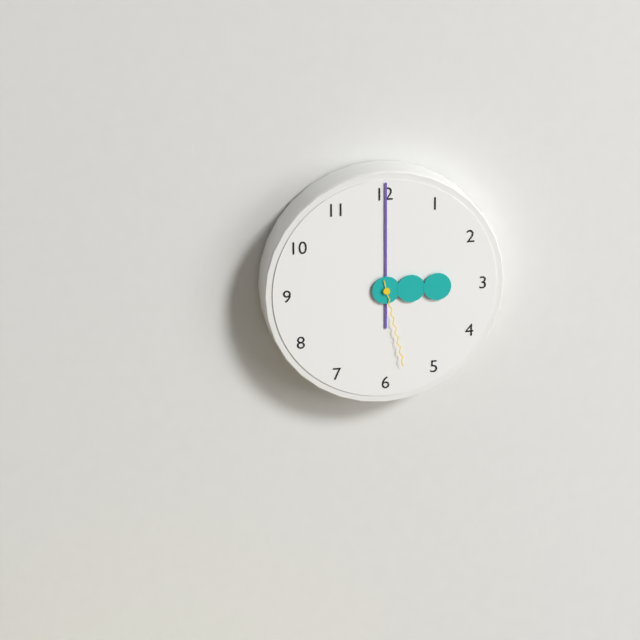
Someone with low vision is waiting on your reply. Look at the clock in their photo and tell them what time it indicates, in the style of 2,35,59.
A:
3,00,28
